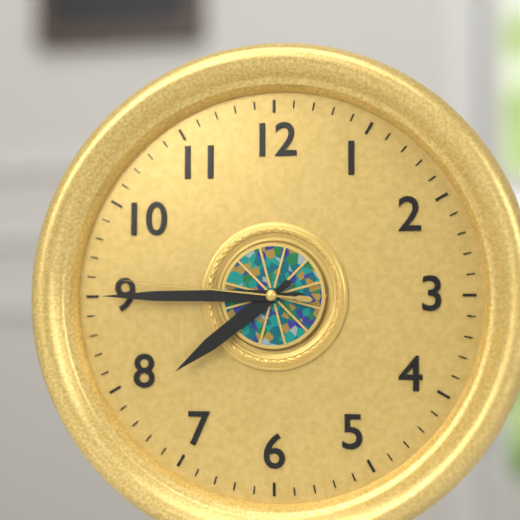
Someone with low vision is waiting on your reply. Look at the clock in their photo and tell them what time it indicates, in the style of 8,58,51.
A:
7,45,46
